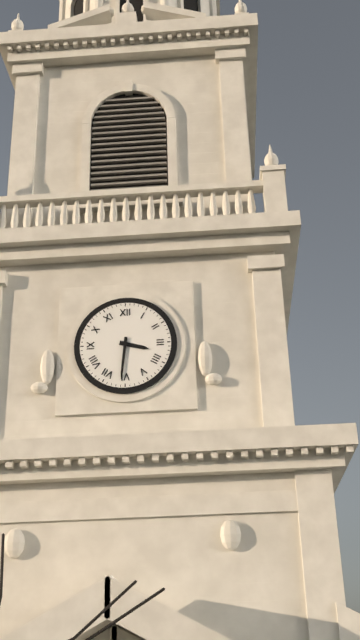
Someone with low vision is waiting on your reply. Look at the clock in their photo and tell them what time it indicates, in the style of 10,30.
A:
3,31
